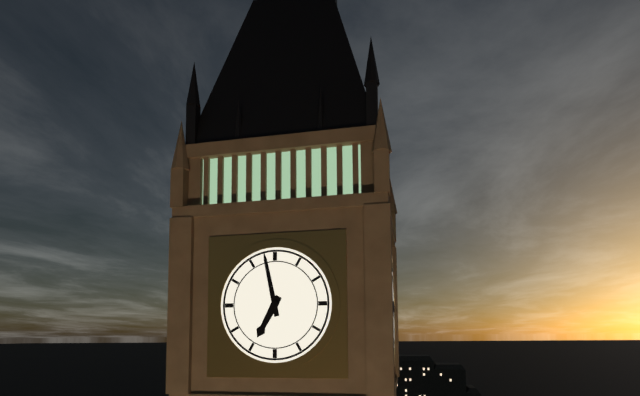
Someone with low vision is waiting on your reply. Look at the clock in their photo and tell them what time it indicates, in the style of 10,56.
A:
6,58
